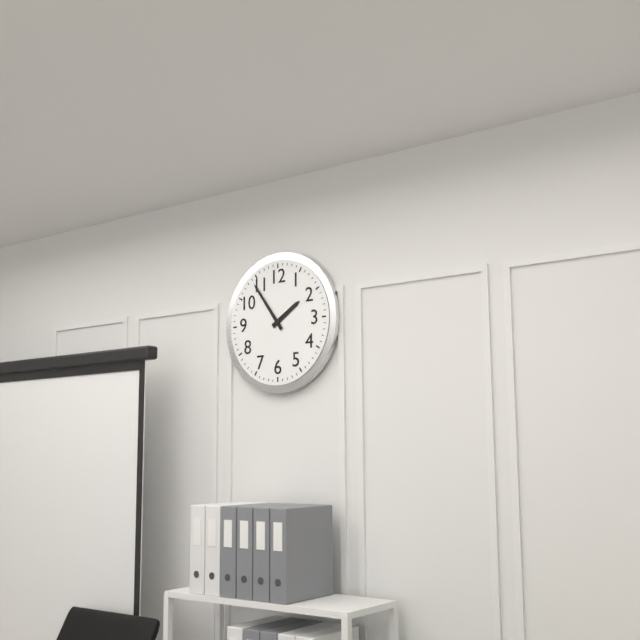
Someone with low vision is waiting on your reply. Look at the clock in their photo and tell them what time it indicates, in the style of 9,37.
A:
1,54
